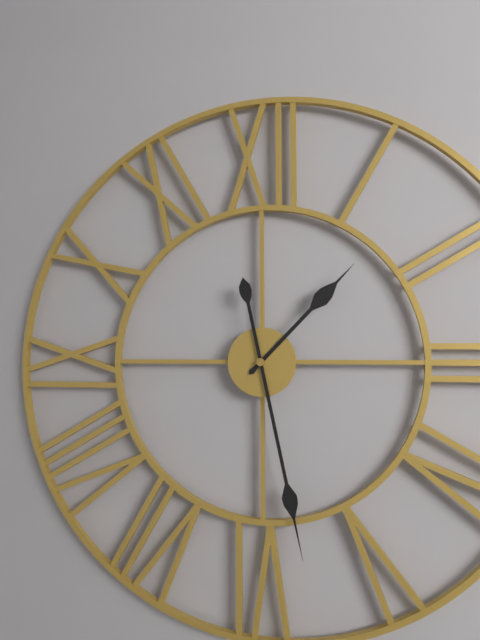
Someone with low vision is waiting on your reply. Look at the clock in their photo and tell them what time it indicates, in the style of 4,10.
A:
1,28
